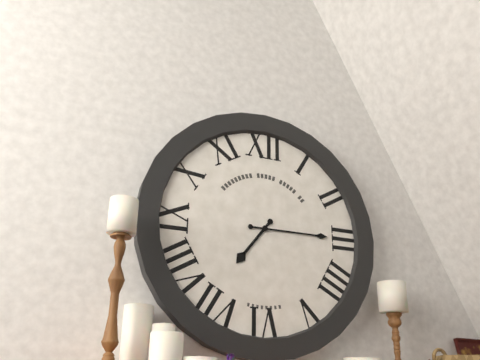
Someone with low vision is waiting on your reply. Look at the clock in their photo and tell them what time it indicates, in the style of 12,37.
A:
7,15
